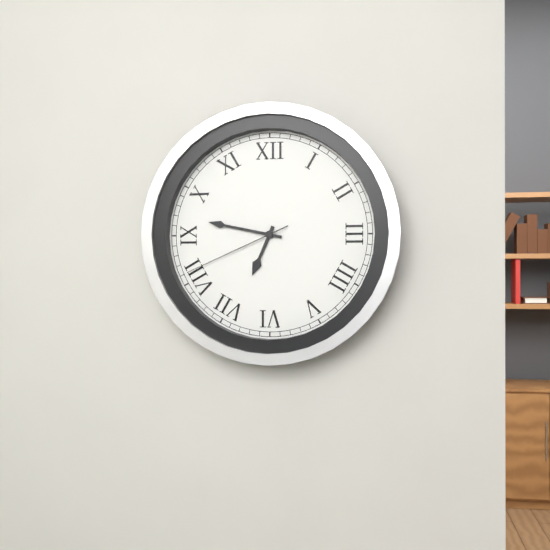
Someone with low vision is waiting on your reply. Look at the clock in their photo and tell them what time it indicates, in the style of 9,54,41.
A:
6,47,41
